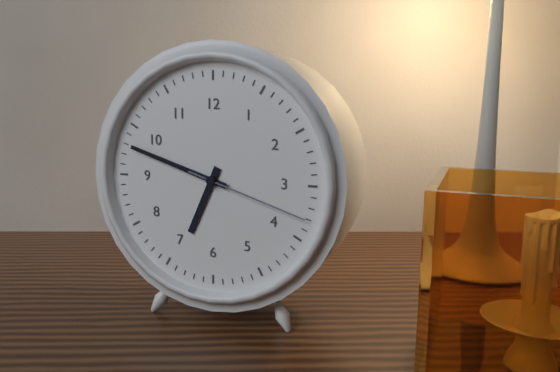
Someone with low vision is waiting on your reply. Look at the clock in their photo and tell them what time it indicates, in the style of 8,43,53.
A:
6,48,18
